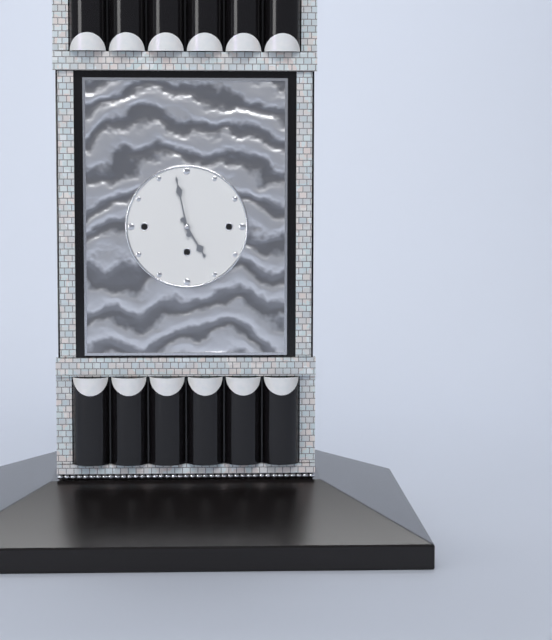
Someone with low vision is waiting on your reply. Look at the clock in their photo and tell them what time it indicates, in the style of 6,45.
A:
4,58
